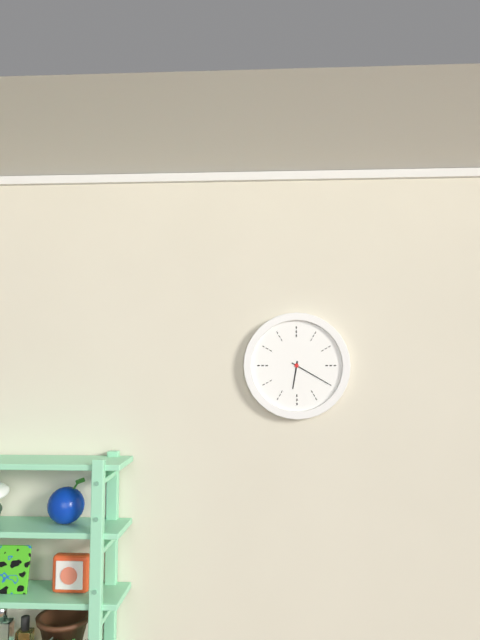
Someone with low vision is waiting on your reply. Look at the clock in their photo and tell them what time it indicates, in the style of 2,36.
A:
6,20
